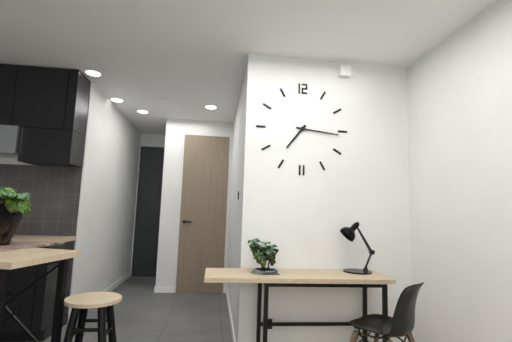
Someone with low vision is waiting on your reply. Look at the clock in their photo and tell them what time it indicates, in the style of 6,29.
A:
7,16
